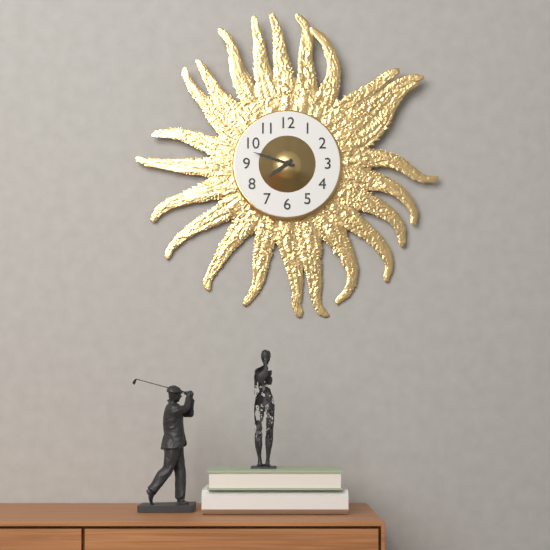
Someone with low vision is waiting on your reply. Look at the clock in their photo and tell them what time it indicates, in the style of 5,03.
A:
7,48
